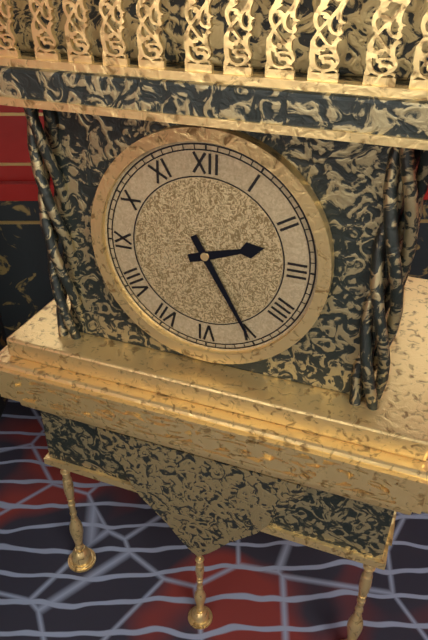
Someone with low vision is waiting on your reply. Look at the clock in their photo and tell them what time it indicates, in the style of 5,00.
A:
2,25
